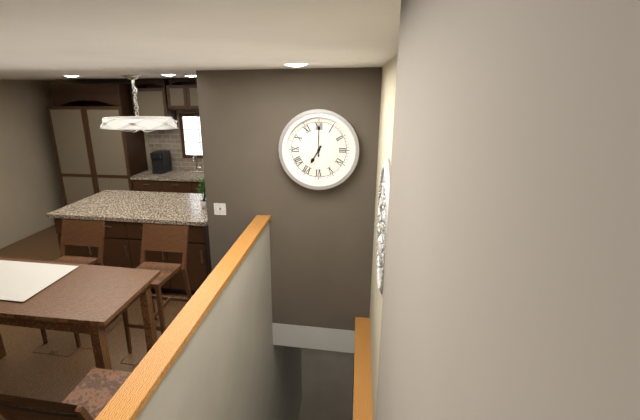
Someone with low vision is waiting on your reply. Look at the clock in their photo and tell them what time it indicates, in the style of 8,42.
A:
7,00
